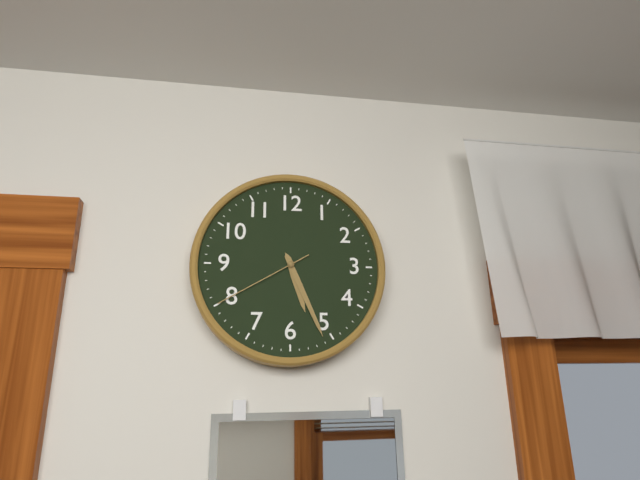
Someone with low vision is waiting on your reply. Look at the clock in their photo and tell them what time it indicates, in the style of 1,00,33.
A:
5,26,40
